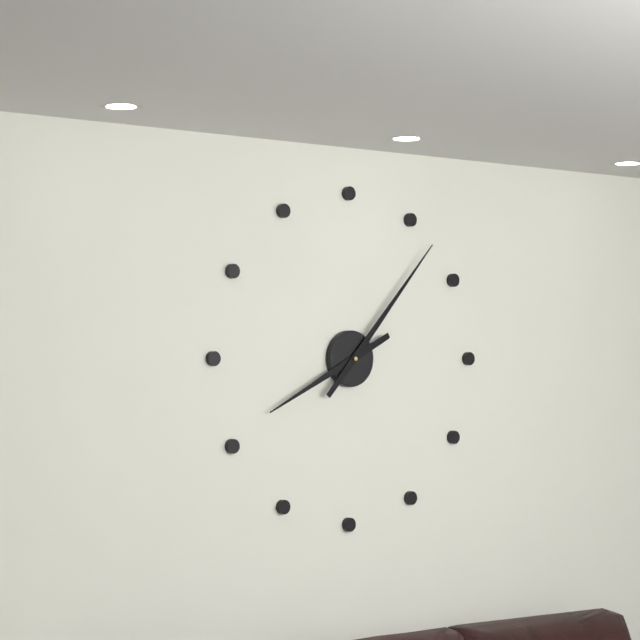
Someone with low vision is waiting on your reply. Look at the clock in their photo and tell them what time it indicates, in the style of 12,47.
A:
8,07
